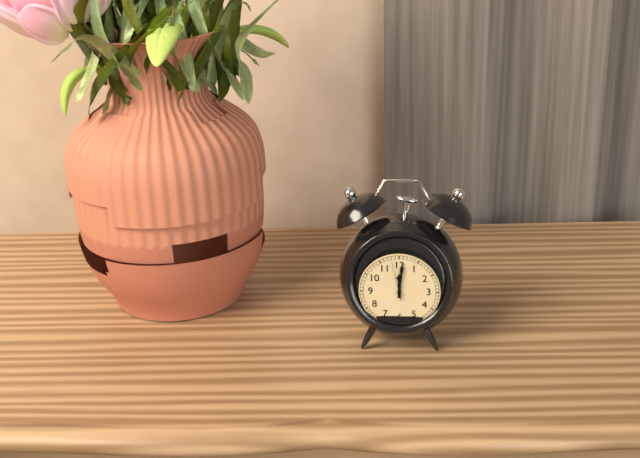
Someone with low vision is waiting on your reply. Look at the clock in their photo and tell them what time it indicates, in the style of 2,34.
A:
12,01
